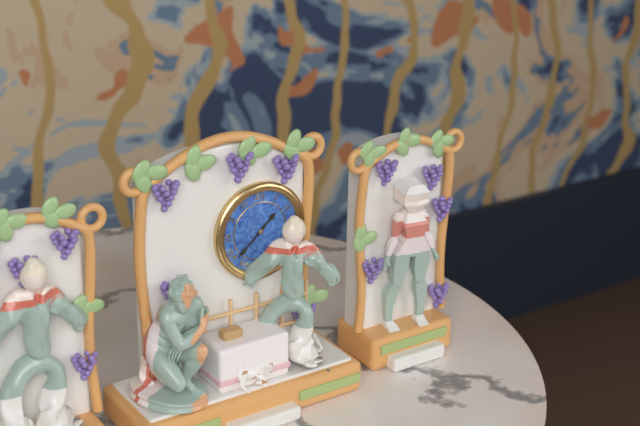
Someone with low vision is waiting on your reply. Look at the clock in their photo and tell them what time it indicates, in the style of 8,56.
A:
1,38
